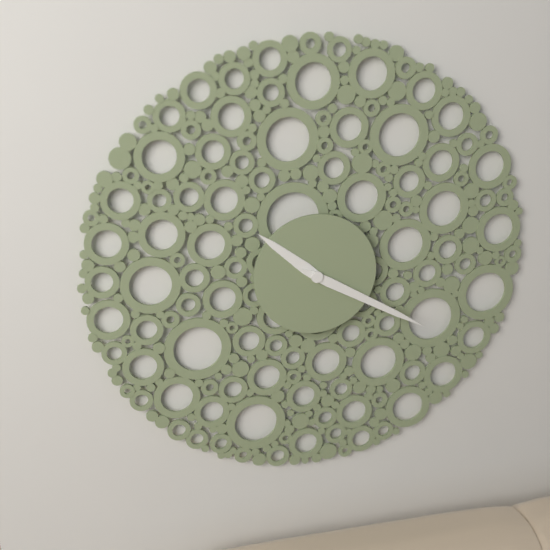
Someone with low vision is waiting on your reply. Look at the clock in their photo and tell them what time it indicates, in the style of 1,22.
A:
10,20
